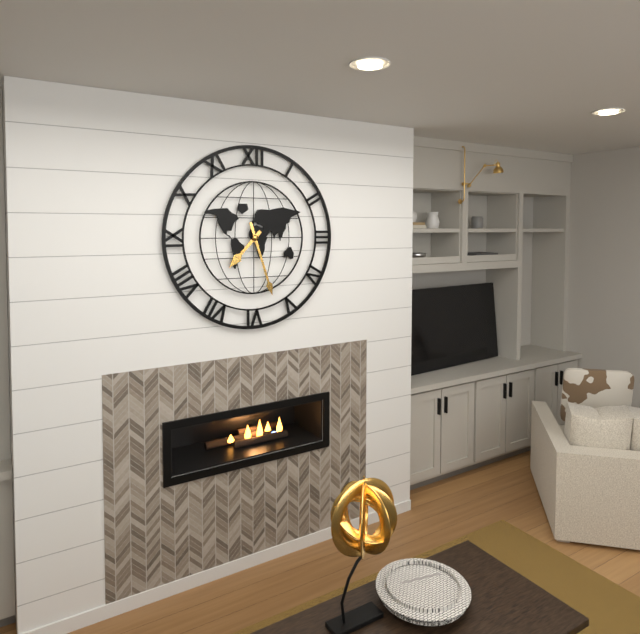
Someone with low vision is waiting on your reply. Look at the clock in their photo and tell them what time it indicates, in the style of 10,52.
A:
7,27
